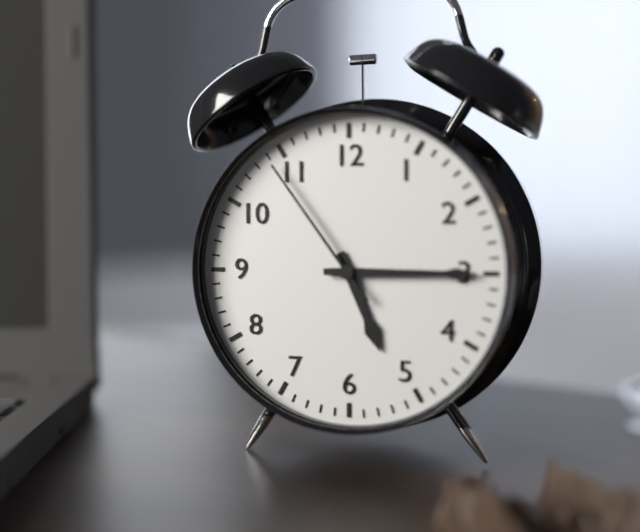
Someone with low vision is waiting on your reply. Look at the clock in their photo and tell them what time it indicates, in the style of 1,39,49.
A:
5,15,54
